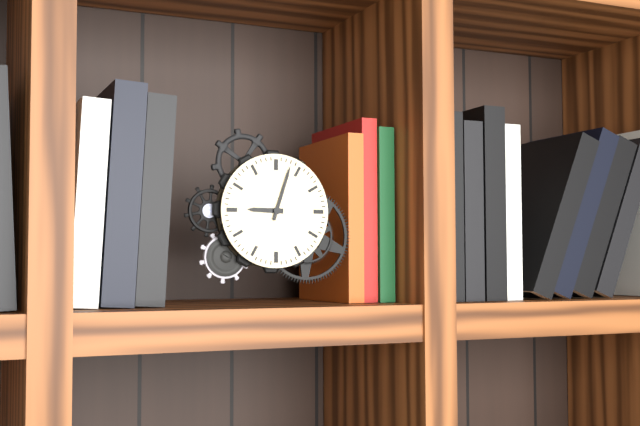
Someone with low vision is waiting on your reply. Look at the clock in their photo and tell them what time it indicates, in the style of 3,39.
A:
9,03
